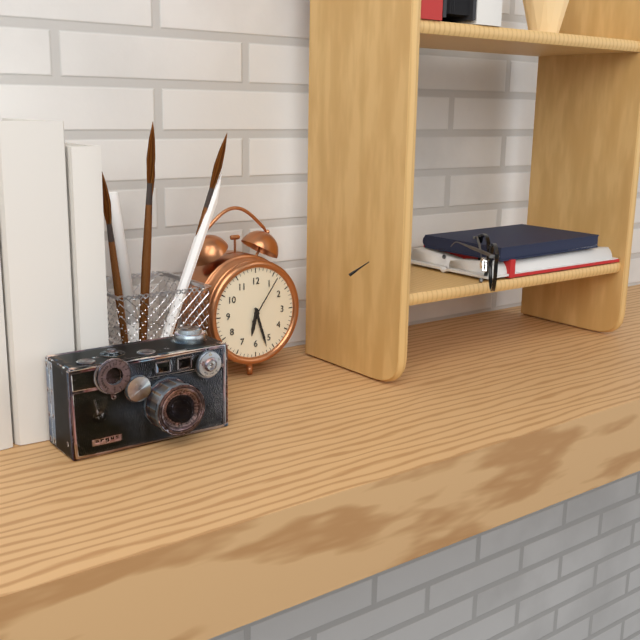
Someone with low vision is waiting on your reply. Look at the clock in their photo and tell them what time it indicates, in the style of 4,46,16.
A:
6,27,06
